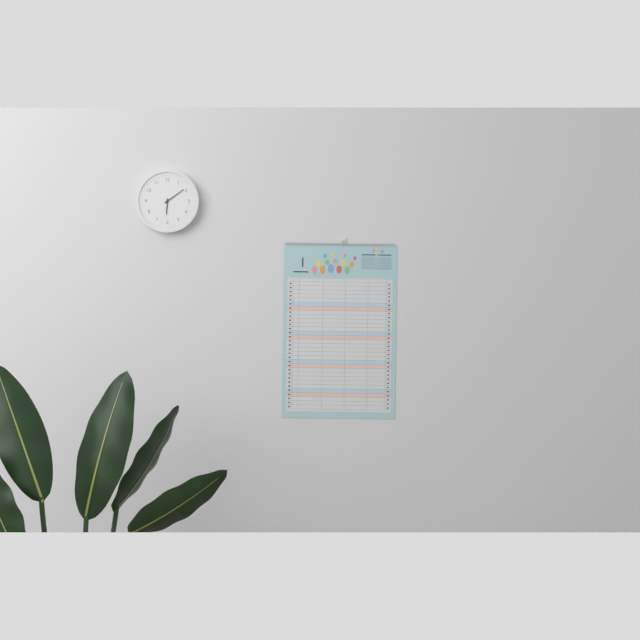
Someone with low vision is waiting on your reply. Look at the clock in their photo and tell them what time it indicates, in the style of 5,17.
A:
6,09
